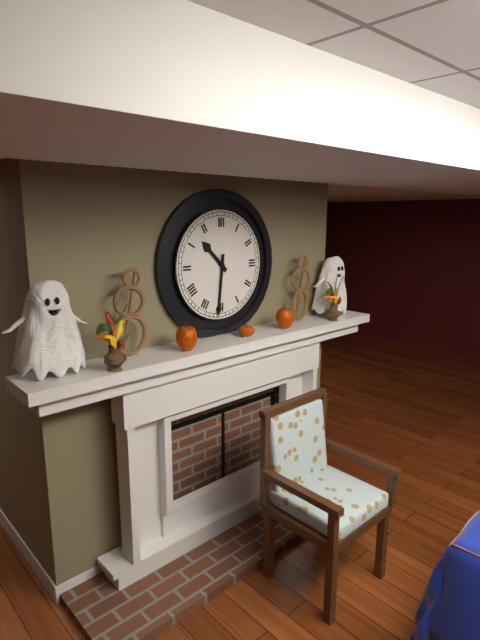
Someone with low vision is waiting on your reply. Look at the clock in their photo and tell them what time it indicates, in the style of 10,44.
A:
10,31
